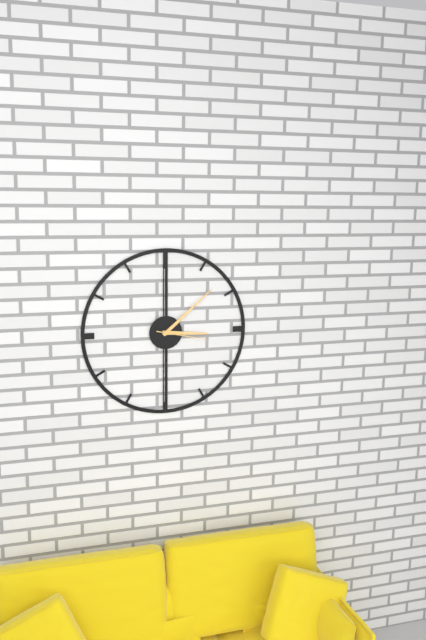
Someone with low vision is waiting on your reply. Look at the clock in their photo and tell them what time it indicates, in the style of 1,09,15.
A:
3,08,17
